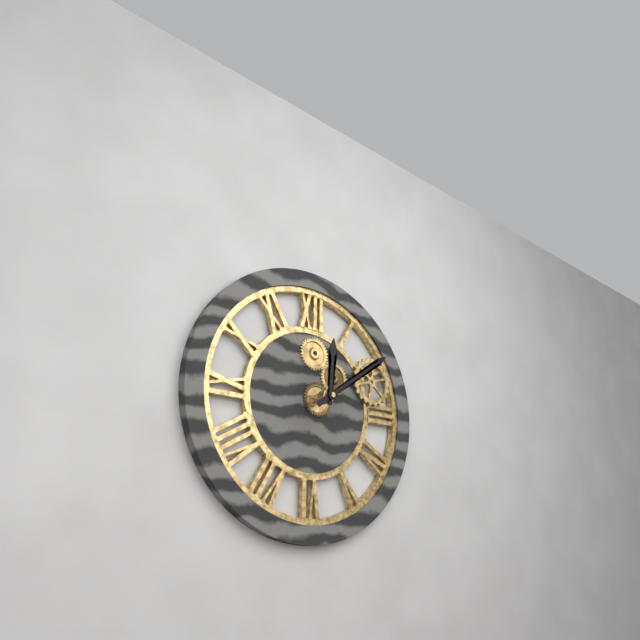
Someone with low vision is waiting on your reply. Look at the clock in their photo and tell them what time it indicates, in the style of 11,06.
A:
12,09
